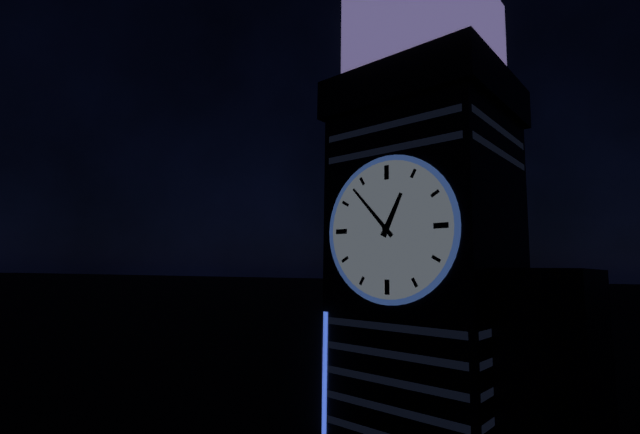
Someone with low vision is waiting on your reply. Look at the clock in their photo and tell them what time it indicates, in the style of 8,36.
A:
12,53
